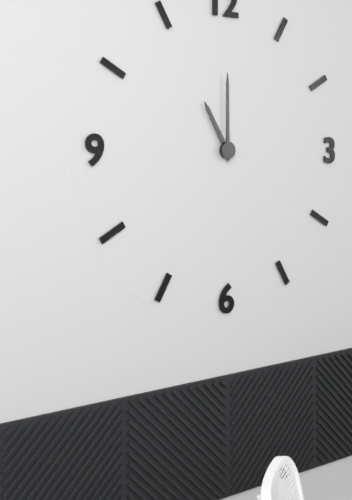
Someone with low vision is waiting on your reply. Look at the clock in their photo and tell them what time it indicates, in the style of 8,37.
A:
11,00
